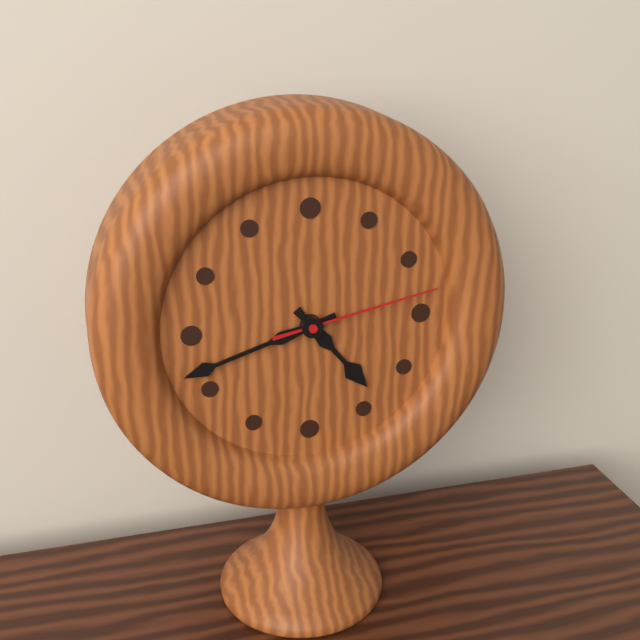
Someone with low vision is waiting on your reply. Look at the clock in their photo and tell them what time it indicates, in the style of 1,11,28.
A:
4,42,13
